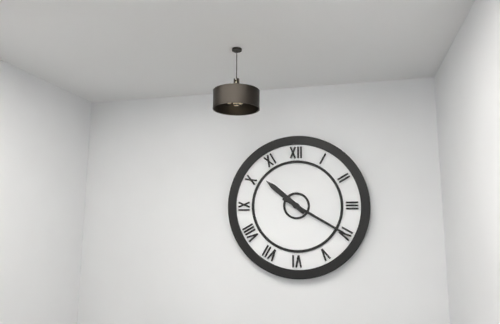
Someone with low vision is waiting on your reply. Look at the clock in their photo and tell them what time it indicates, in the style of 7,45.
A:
10,20
